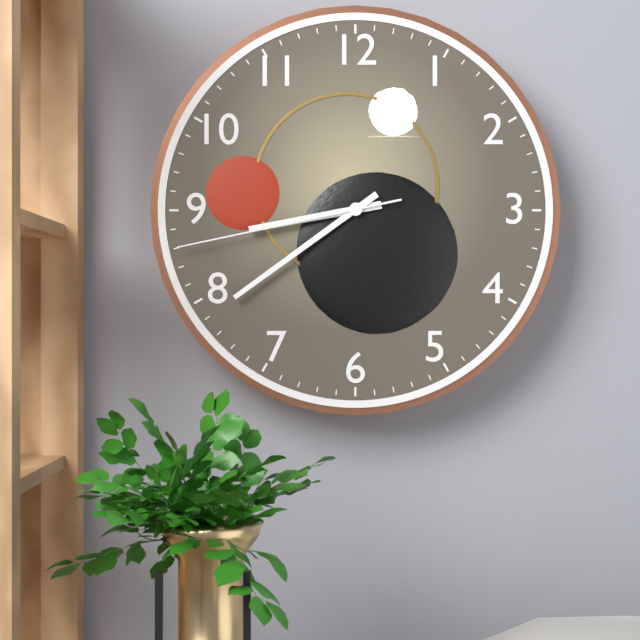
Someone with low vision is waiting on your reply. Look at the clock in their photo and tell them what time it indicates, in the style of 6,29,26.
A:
8,39,43
